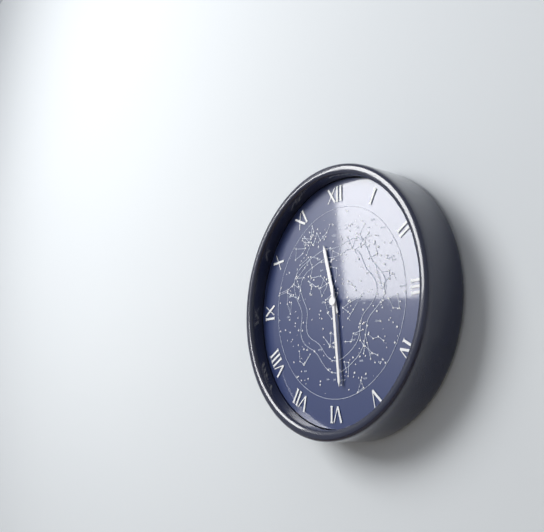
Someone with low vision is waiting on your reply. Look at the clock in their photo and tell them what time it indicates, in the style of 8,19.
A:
11,29
